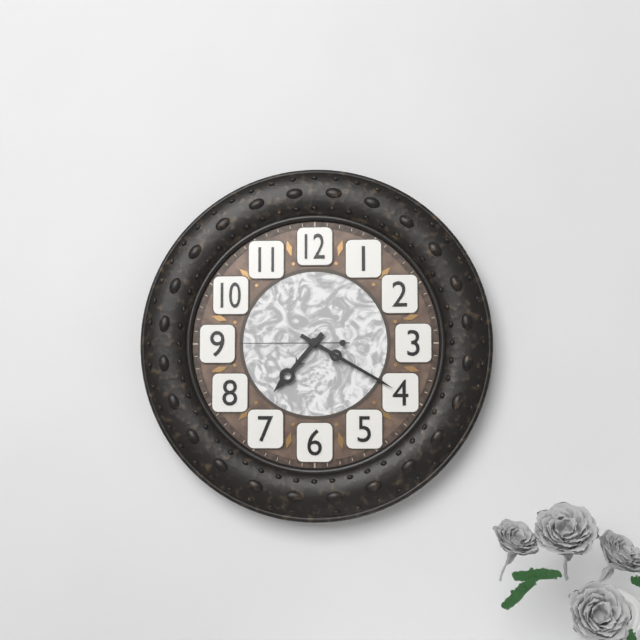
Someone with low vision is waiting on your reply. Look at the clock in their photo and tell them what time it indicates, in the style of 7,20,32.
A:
7,20,45
